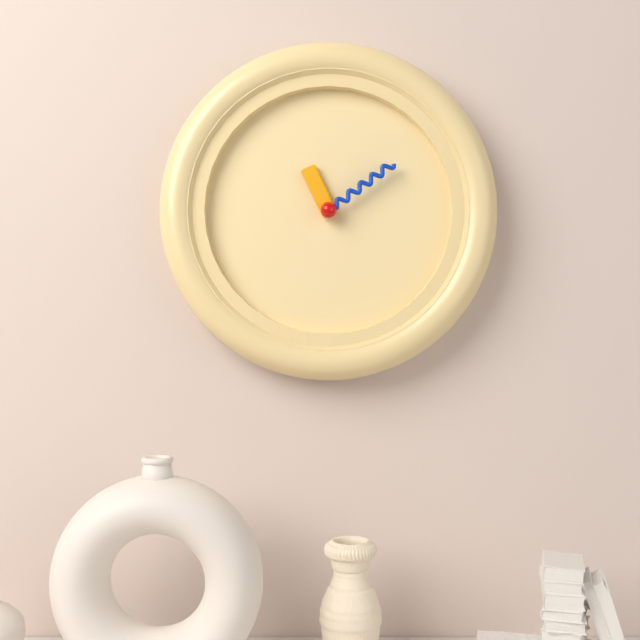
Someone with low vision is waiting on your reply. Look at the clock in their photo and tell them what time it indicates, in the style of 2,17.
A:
11,09
